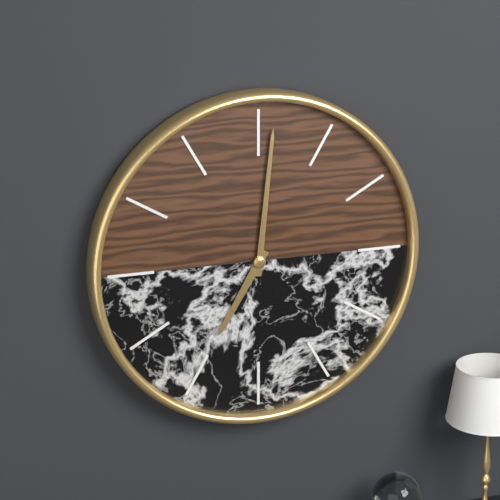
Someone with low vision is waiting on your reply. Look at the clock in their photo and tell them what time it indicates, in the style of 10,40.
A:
7,01
